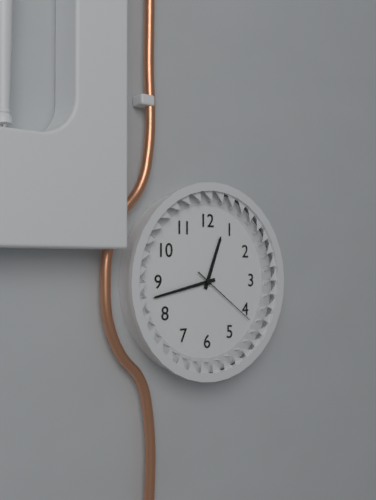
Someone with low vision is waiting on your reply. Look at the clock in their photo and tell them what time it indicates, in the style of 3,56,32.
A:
12,43,21
